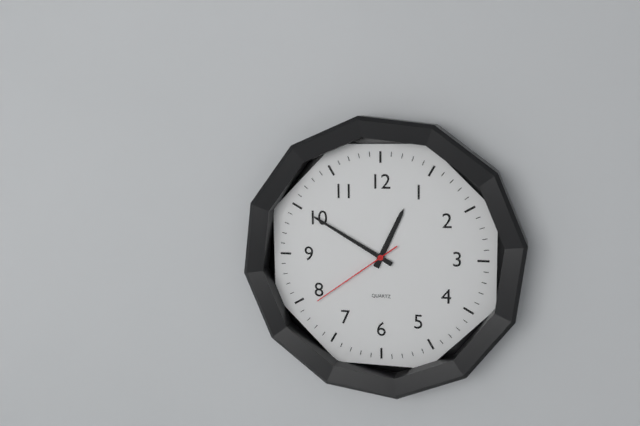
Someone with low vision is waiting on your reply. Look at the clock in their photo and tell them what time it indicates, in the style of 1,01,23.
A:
12,50,39
